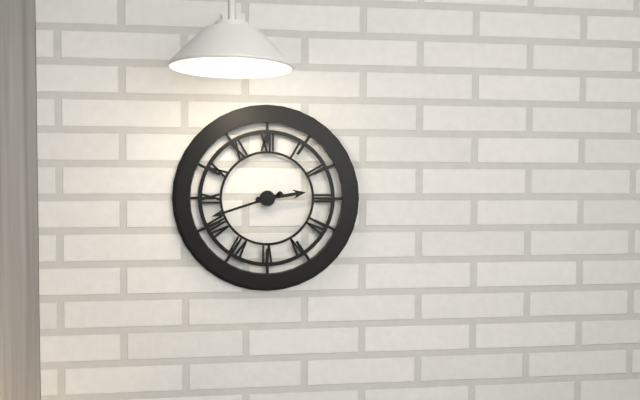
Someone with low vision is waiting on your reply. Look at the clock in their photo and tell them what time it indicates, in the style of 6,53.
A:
2,42
